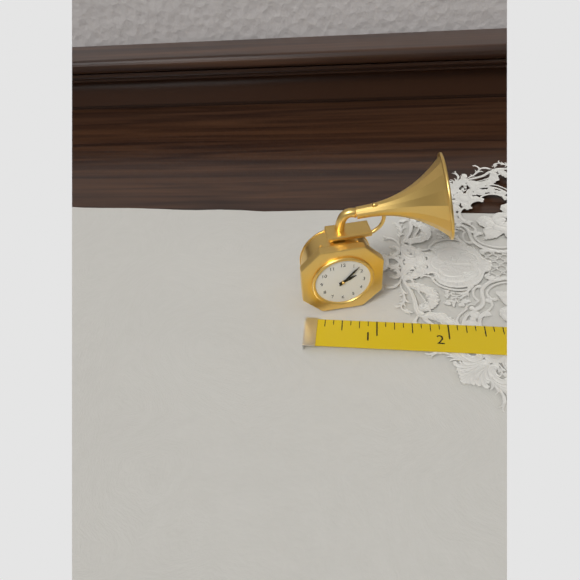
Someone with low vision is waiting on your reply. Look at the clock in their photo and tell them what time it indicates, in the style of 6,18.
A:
2,07
